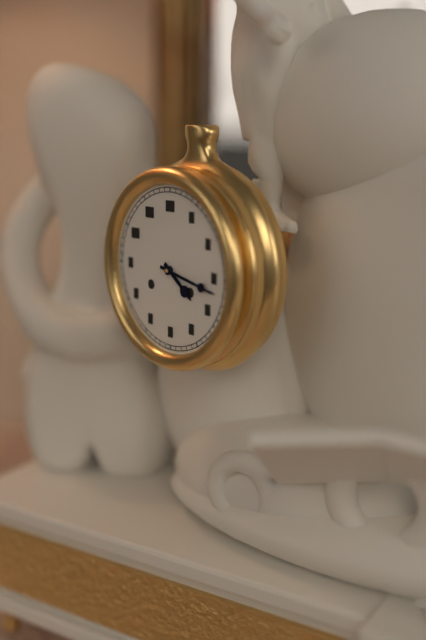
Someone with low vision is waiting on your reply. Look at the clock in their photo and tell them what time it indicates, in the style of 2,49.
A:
4,17
